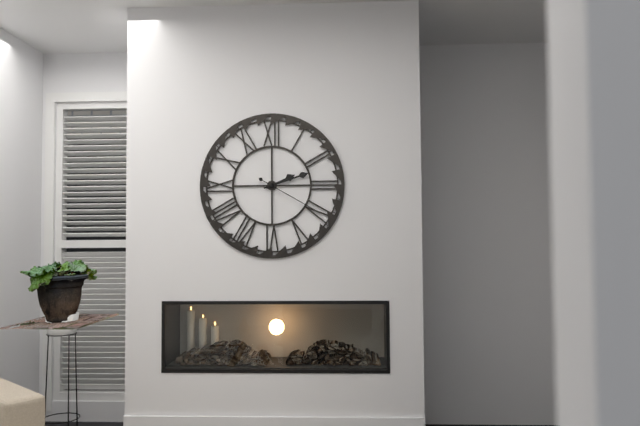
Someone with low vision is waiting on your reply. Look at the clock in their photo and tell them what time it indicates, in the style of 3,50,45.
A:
2,12,20
